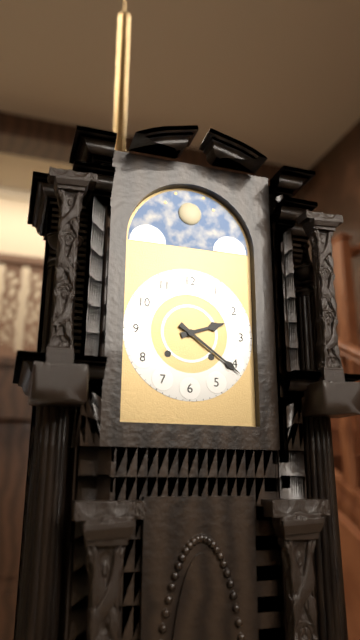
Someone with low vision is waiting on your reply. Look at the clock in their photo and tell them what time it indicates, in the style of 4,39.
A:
2,21
